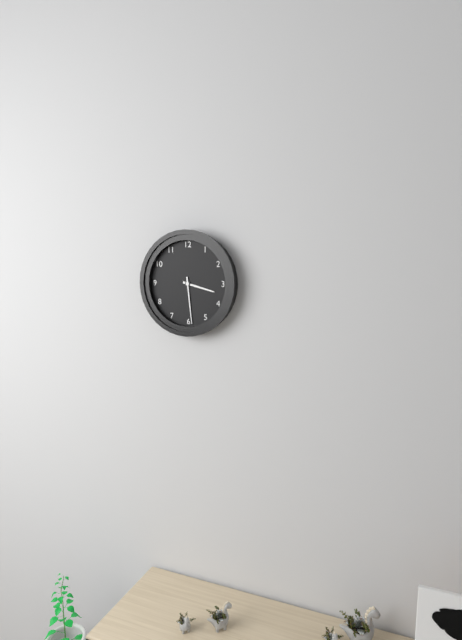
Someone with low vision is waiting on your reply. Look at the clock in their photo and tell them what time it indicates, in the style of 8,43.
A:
3,29
